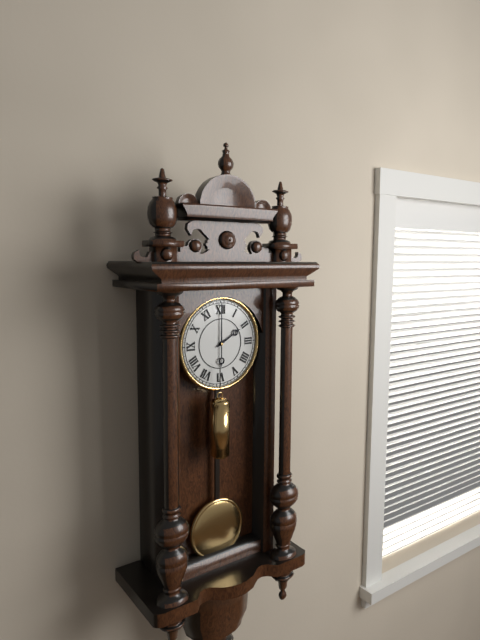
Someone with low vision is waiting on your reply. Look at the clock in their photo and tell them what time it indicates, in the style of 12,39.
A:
2,00
